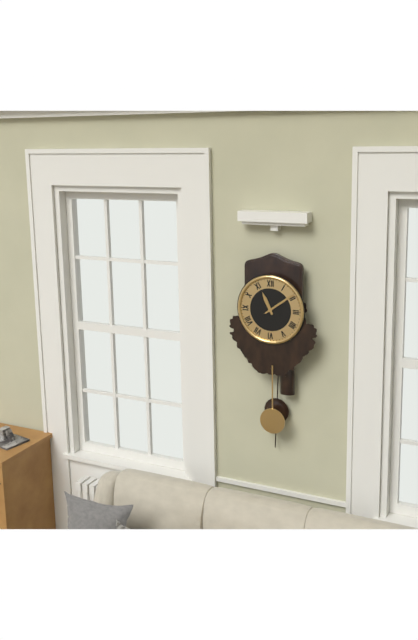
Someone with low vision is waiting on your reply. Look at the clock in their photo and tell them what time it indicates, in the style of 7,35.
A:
11,09
